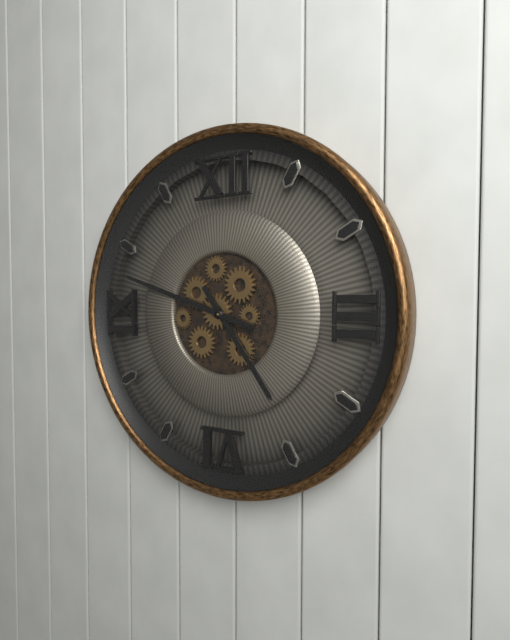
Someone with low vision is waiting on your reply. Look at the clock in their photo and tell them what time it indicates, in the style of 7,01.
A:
4,48
